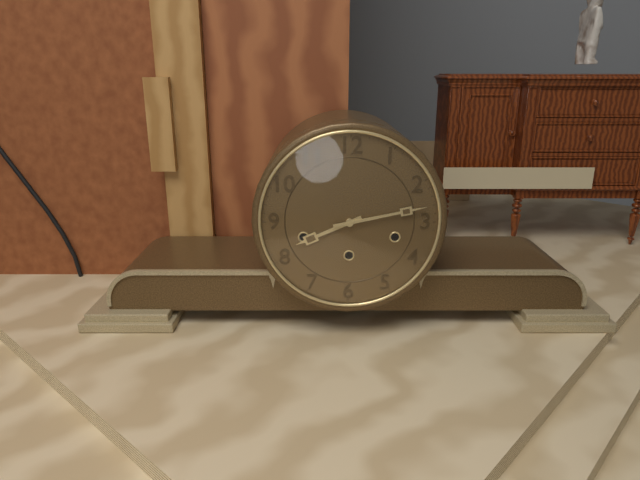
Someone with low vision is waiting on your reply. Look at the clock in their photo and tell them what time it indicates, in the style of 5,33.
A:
8,13
